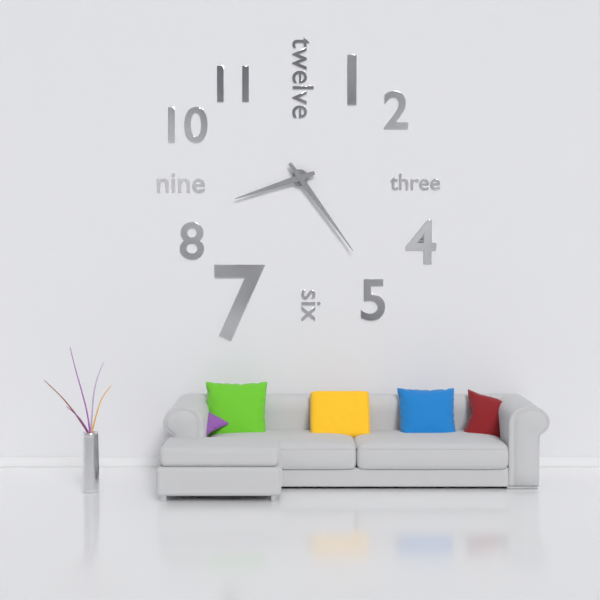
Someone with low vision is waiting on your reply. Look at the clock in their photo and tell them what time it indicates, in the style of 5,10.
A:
8,24
